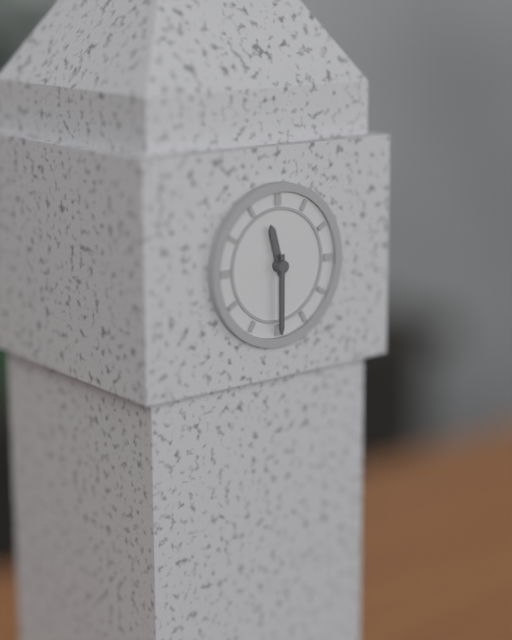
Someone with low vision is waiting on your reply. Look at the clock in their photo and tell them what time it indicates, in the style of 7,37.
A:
11,30
